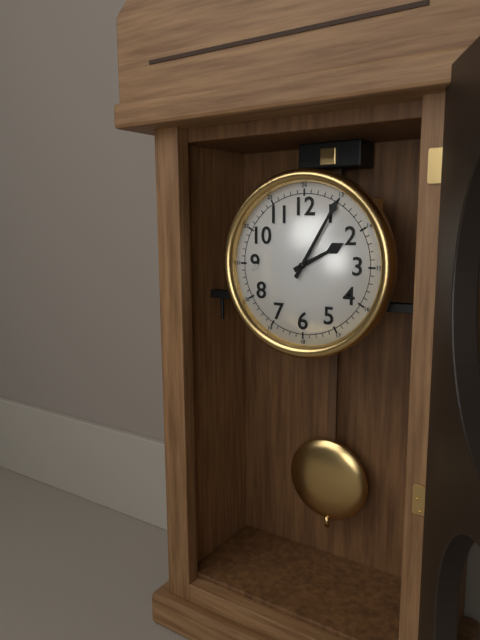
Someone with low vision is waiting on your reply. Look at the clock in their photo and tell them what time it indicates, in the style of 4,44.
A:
2,05
